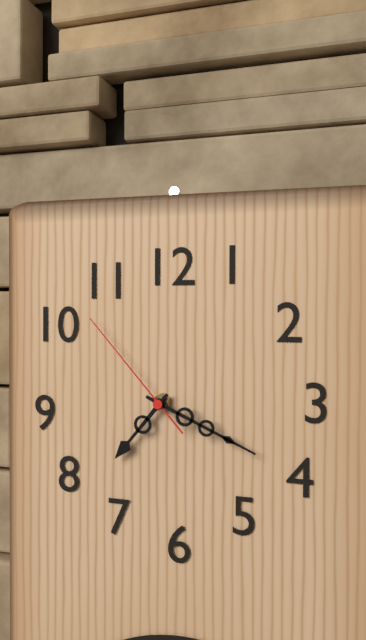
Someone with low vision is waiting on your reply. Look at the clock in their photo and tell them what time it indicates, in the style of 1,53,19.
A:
7,19,53
